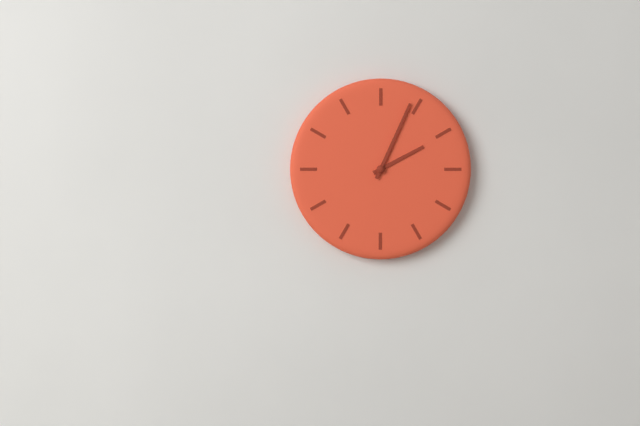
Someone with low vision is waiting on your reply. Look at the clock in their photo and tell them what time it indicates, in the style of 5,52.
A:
2,04
